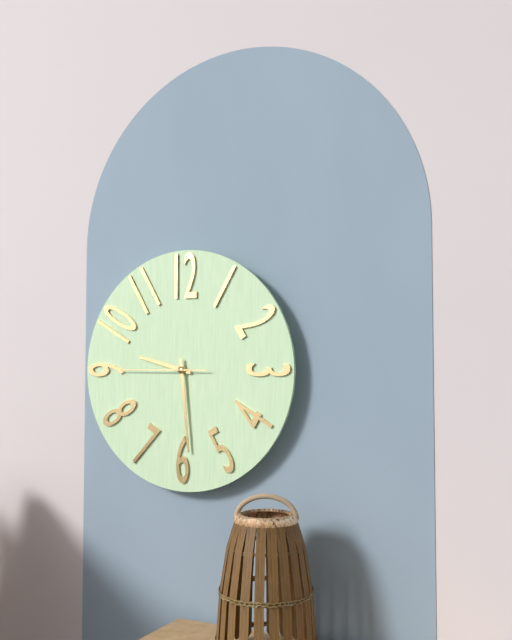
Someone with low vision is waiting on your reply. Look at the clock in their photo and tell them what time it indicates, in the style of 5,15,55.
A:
9,29,45
